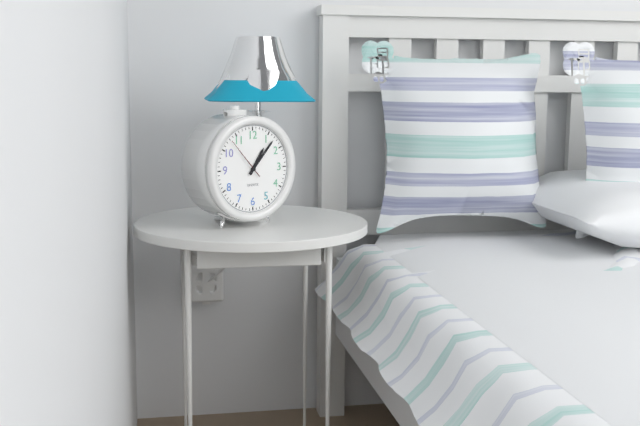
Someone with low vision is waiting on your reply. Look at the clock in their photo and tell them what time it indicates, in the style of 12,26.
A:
1,07
